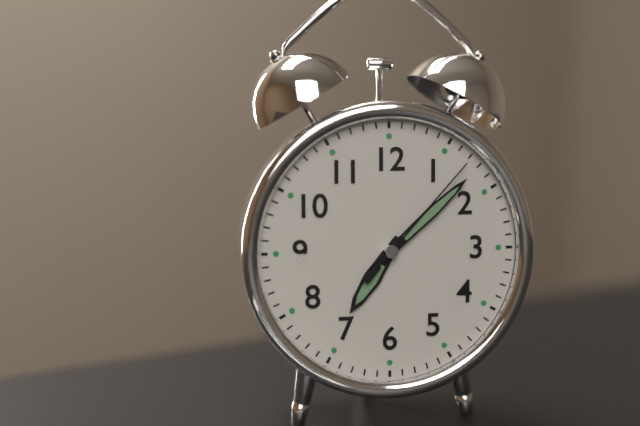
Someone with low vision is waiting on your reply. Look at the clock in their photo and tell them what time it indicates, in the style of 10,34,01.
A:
7,08,07
